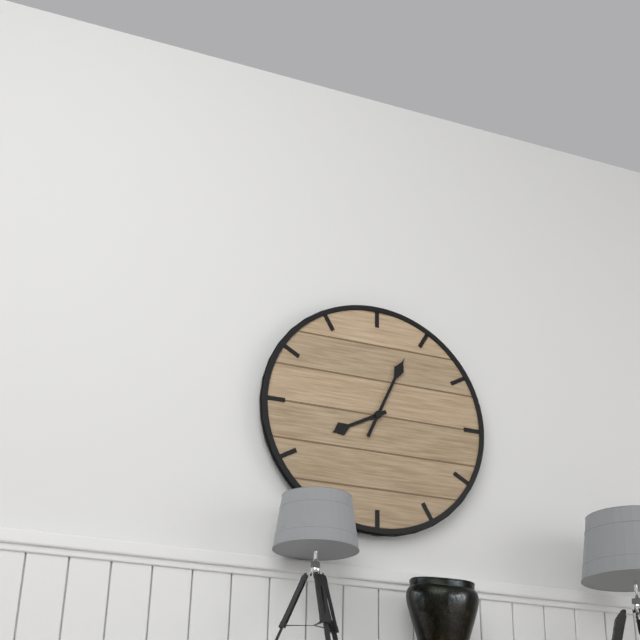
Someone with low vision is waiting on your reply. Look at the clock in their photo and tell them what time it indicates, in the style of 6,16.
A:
8,04
